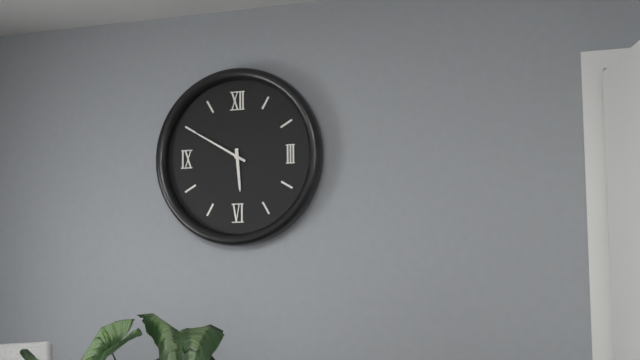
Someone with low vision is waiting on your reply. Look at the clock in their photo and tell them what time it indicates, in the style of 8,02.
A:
5,50
